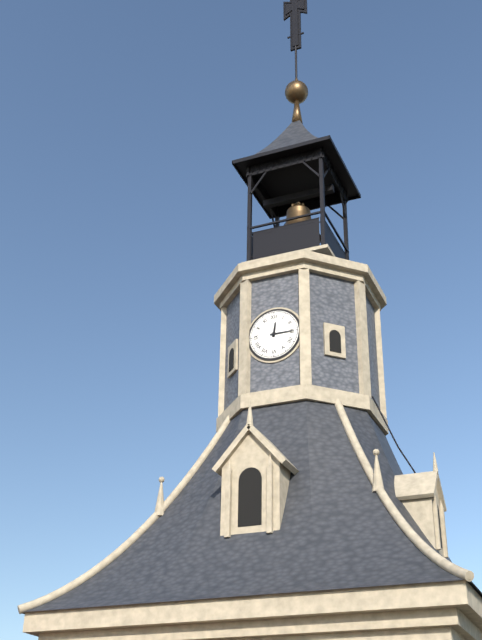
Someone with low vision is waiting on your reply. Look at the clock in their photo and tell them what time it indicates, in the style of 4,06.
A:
12,15
